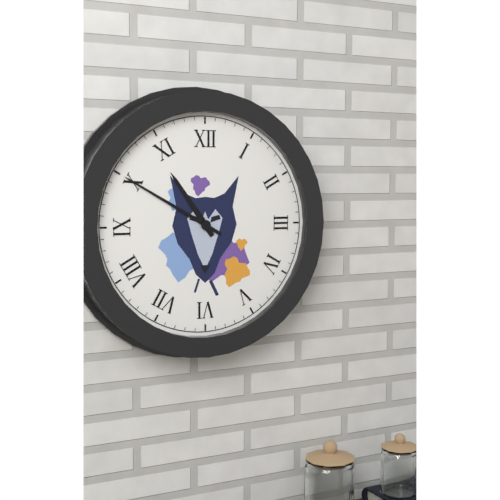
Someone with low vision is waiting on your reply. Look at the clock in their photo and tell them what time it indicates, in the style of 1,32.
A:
10,50
